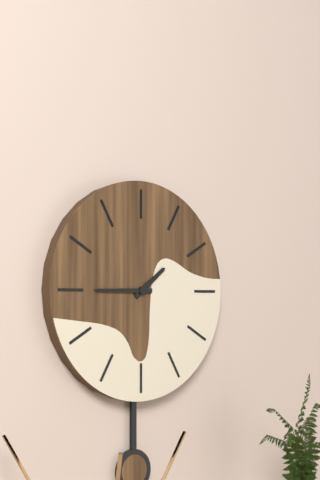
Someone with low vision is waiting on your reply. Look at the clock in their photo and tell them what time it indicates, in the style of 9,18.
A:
1,45
